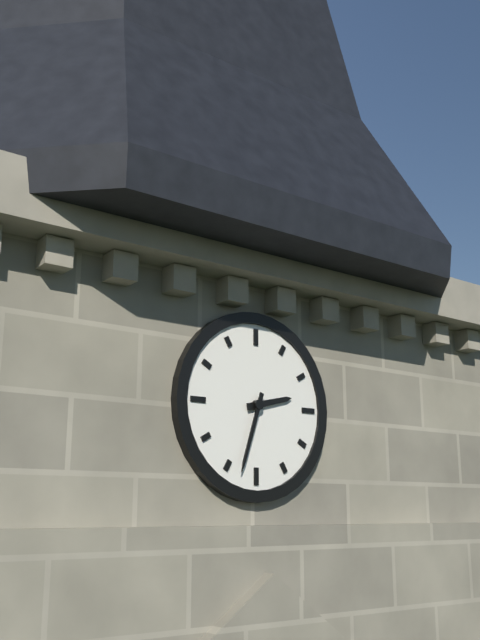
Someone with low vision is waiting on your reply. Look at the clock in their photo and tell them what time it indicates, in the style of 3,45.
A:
2,33
